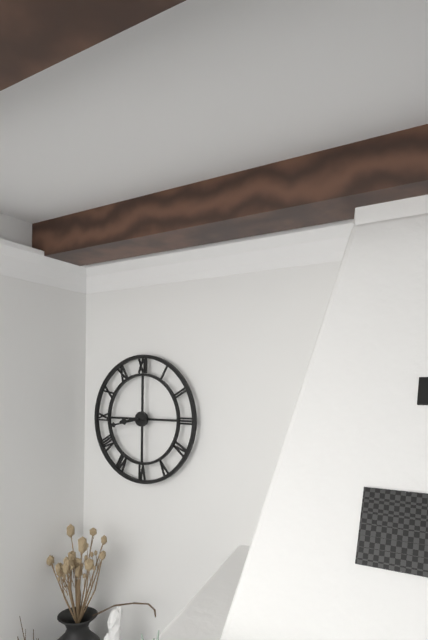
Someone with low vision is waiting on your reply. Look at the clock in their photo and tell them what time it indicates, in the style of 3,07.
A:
8,43
